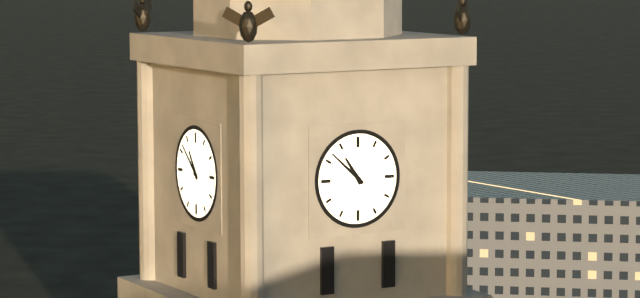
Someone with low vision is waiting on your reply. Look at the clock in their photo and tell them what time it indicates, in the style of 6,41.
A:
10,52
